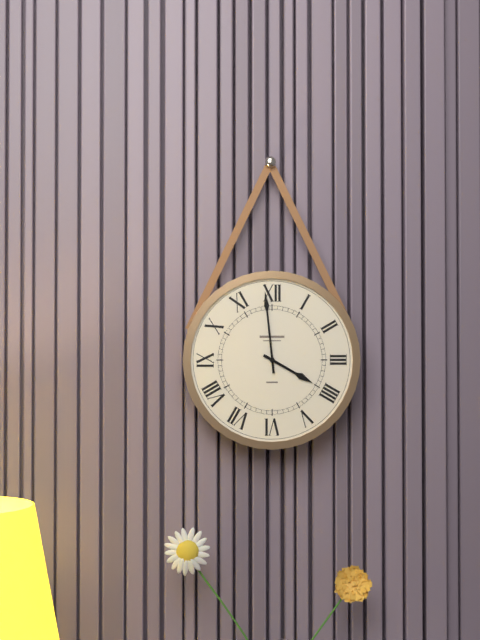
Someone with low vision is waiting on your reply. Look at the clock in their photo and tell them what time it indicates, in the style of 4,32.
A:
3,59
